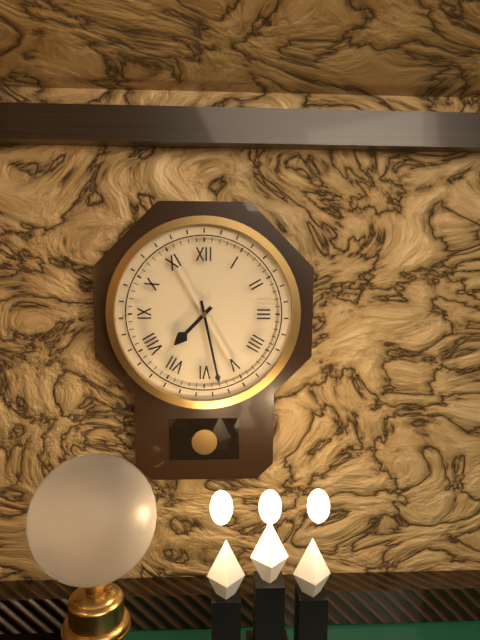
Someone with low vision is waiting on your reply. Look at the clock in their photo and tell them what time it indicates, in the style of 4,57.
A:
7,28
